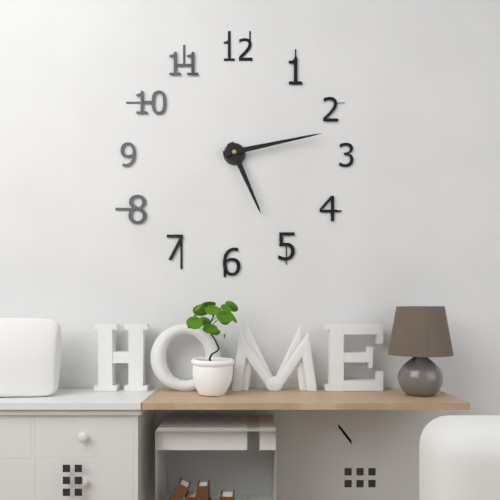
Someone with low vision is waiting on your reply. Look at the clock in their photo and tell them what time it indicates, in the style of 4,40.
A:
5,13
